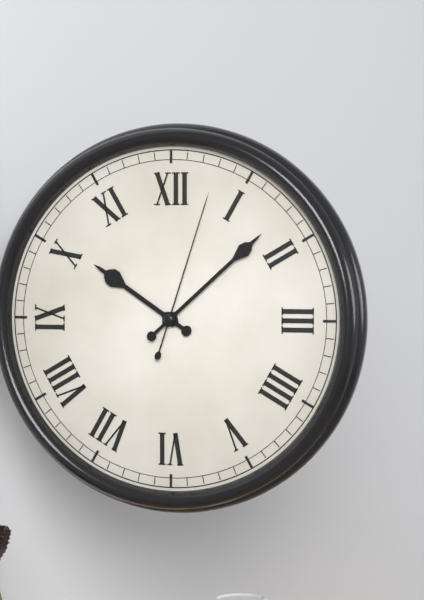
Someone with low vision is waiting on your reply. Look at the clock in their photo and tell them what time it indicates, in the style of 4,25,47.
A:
10,08,03
